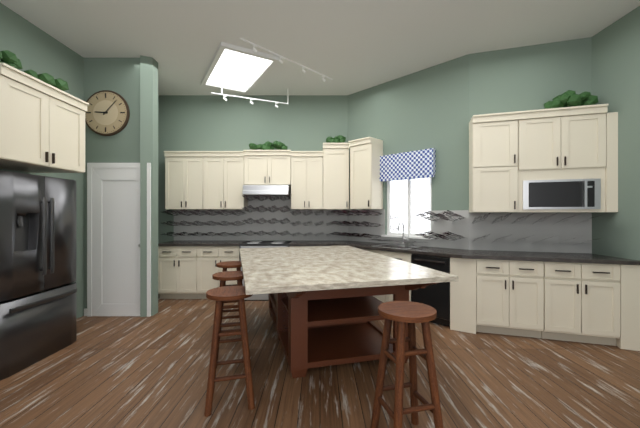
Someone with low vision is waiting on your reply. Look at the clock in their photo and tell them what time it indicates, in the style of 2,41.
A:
9,07
